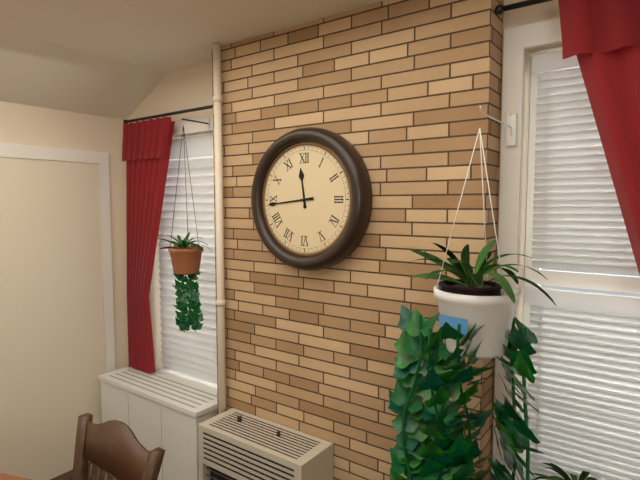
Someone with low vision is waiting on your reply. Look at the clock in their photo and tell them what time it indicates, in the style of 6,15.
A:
11,44
